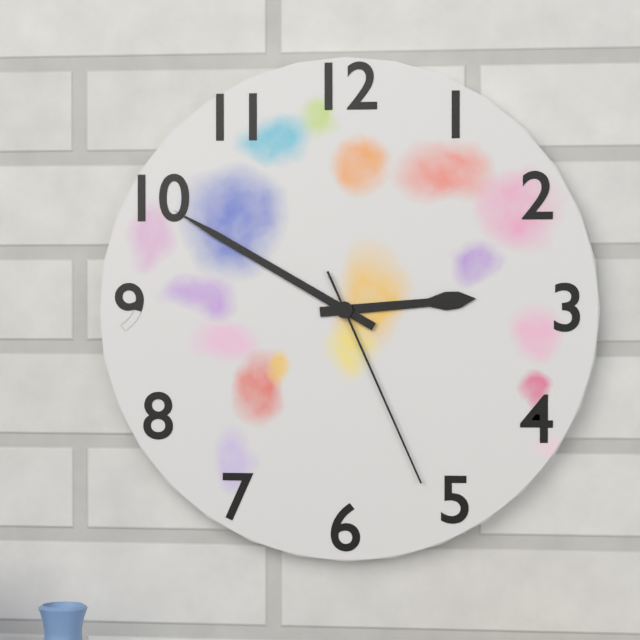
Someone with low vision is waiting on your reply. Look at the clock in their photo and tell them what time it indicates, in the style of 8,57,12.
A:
2,50,26
